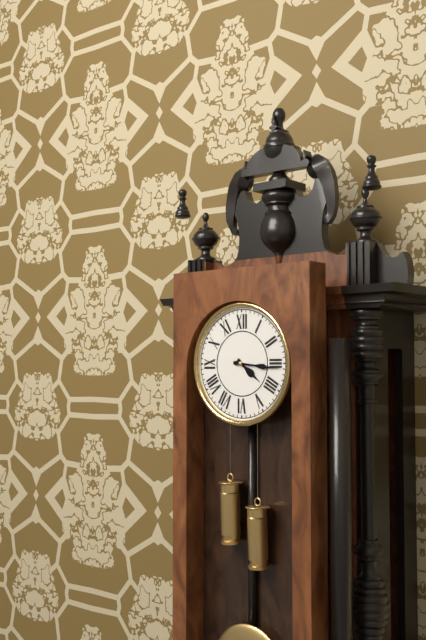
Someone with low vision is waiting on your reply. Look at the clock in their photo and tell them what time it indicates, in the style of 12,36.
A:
4,16
